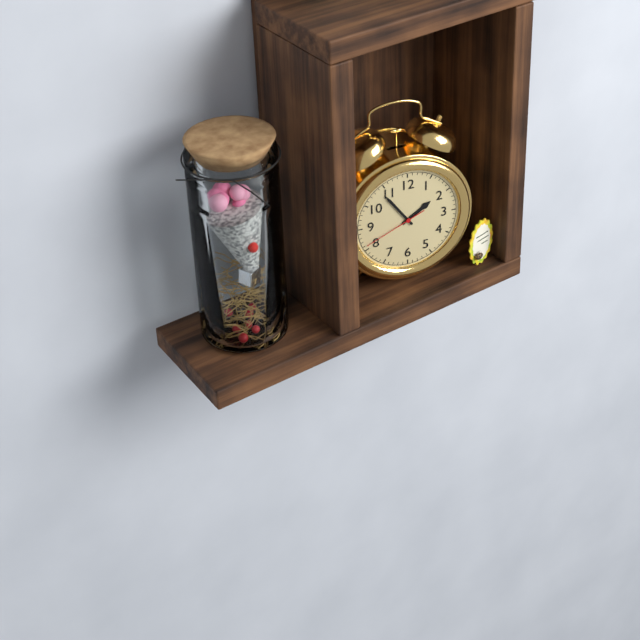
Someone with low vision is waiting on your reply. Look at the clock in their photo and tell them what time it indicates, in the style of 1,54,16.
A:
1,54,41
